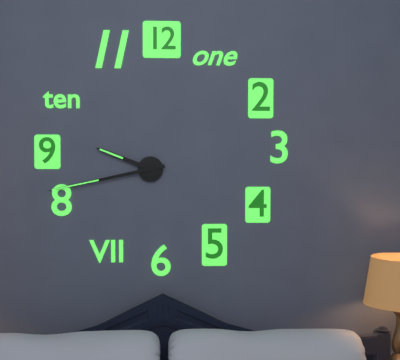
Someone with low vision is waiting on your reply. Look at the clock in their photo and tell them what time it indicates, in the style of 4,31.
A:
9,43
